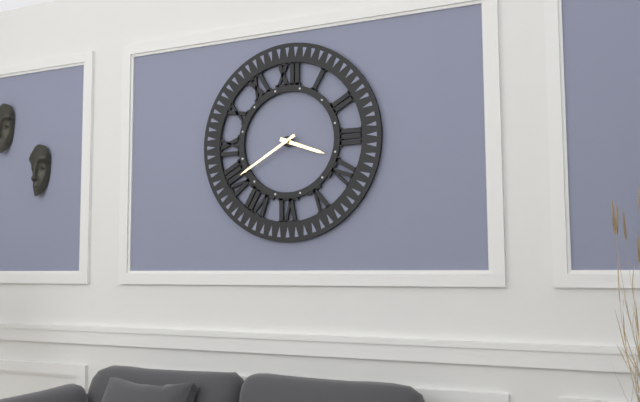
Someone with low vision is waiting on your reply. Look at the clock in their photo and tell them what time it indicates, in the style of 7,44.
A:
3,40
